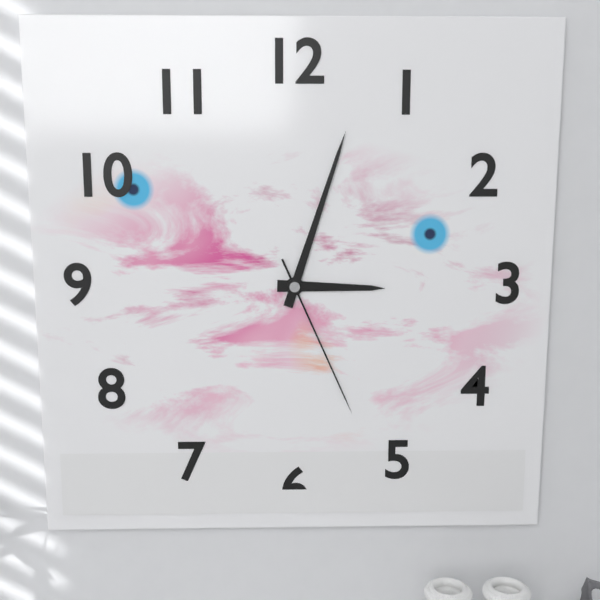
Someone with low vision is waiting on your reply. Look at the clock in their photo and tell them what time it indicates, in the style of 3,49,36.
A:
3,03,26
